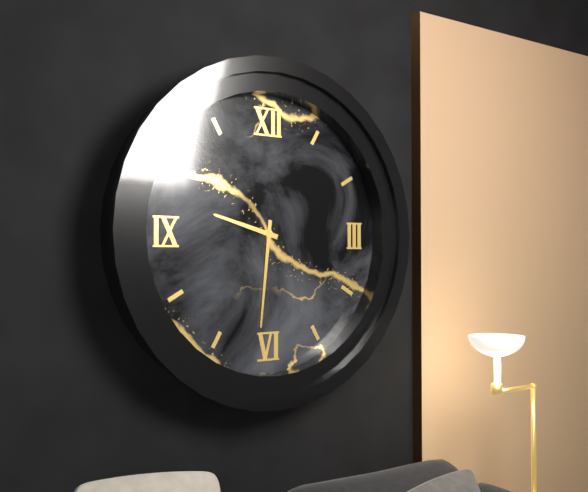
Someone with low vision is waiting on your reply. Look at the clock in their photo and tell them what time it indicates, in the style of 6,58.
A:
9,31
